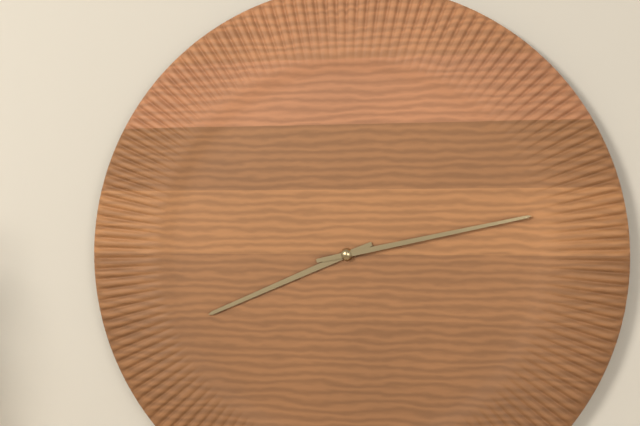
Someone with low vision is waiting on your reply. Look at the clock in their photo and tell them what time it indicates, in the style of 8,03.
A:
8,13
